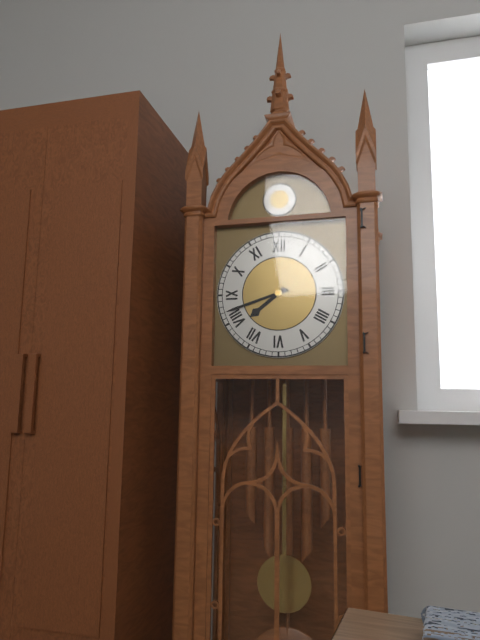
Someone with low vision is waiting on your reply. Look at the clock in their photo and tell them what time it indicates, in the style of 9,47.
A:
7,42
